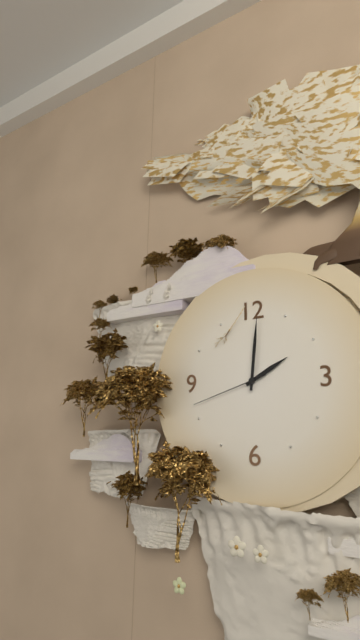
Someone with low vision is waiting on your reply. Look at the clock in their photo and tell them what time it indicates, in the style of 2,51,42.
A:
2,01,42
